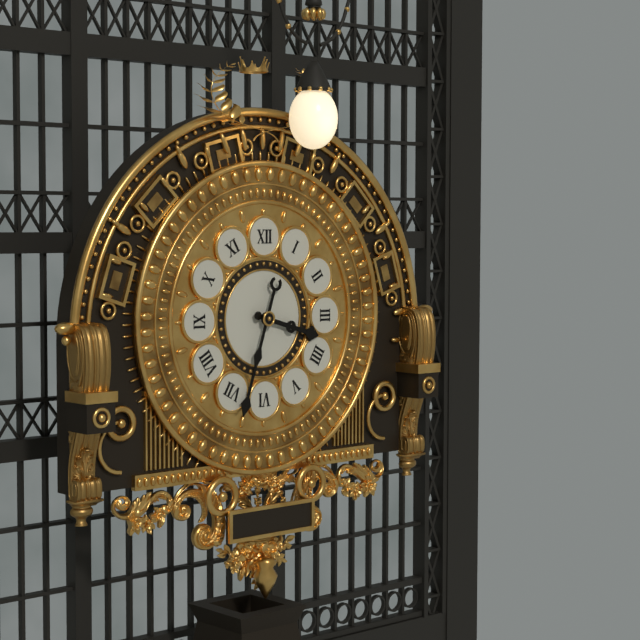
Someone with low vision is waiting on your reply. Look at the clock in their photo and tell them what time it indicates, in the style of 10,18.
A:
3,33
